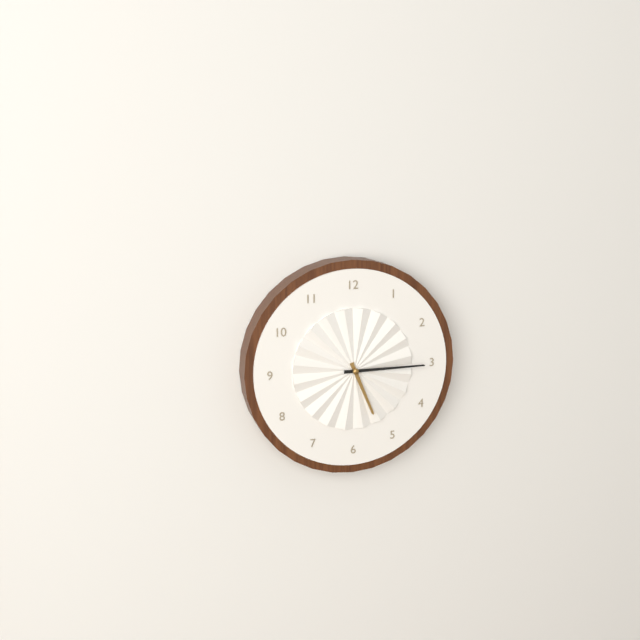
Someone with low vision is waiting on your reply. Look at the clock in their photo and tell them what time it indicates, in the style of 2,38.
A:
5,15
